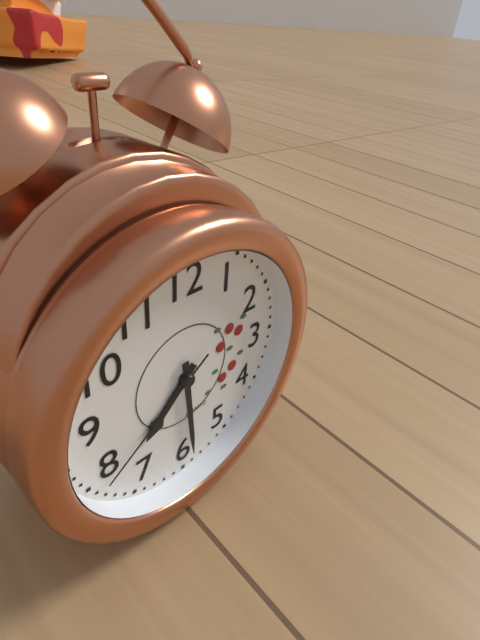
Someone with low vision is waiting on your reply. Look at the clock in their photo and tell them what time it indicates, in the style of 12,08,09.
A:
7,29,39
